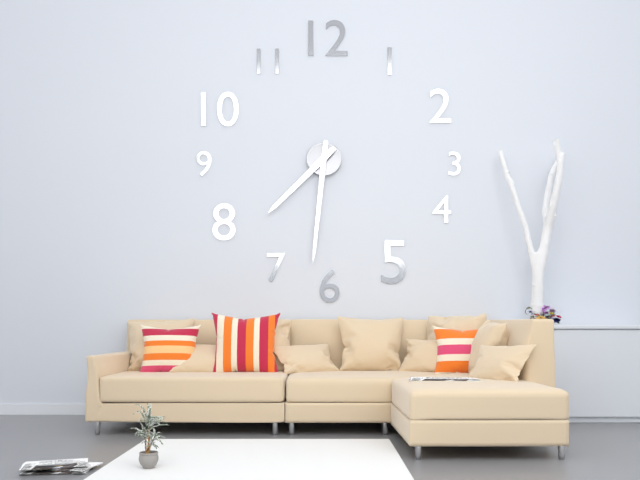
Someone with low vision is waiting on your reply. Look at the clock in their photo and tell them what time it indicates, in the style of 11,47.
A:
7,31
